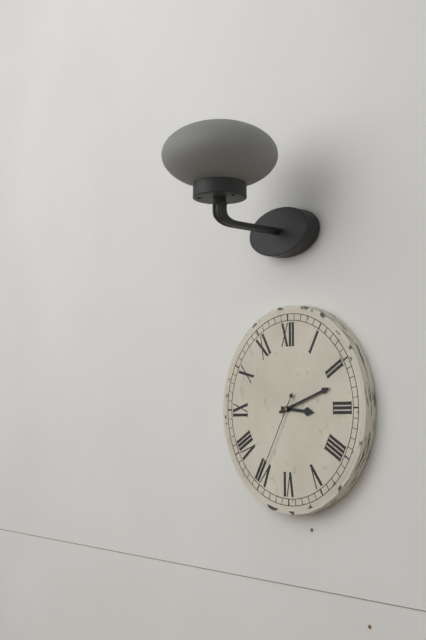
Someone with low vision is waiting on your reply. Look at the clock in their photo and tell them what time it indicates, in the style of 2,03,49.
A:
3,12,35
